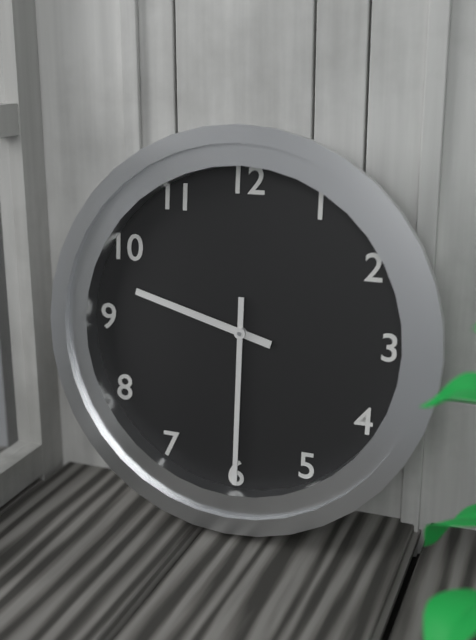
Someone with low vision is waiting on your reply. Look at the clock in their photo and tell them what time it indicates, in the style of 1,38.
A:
9,30
